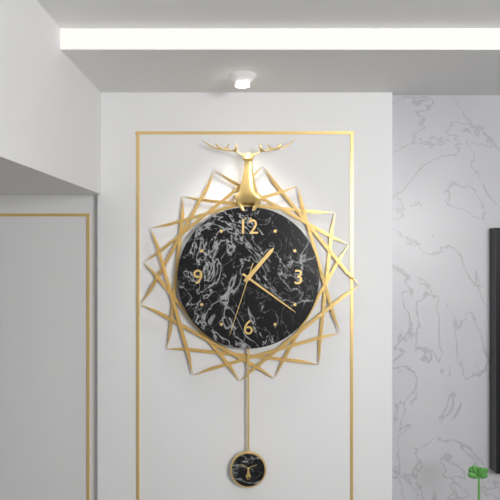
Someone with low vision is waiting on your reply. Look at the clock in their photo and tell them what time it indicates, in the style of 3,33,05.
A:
1,21,33
